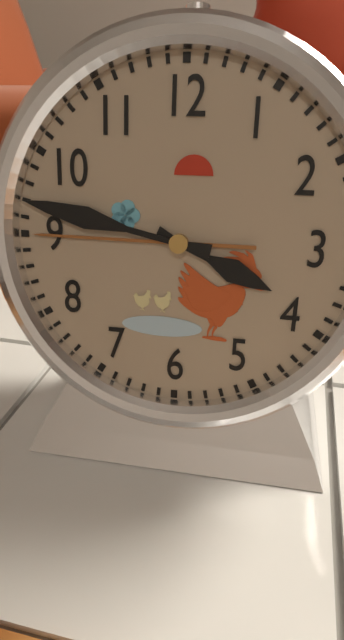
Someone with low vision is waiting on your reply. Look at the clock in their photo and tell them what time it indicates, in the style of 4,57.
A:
3,47
